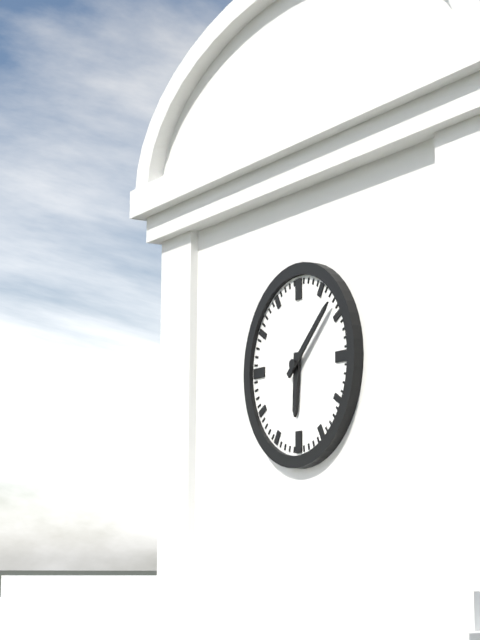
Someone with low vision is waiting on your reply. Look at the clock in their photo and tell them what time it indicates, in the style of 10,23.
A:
6,08
